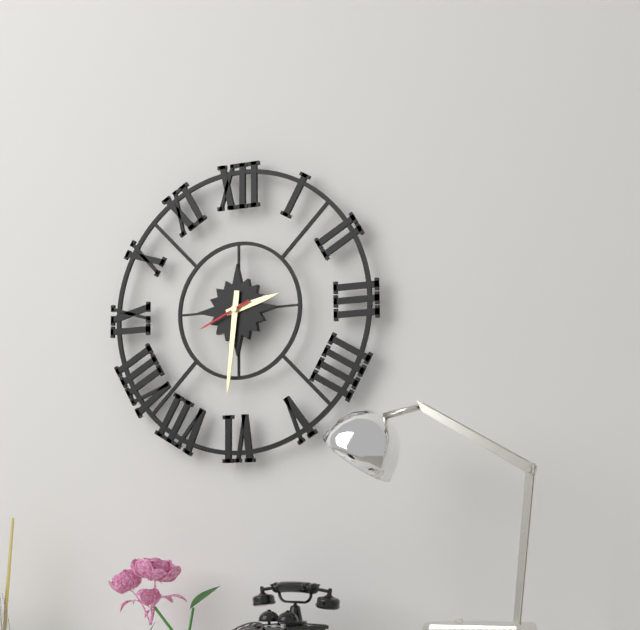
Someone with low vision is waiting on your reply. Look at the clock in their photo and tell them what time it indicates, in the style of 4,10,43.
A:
2,31,41
